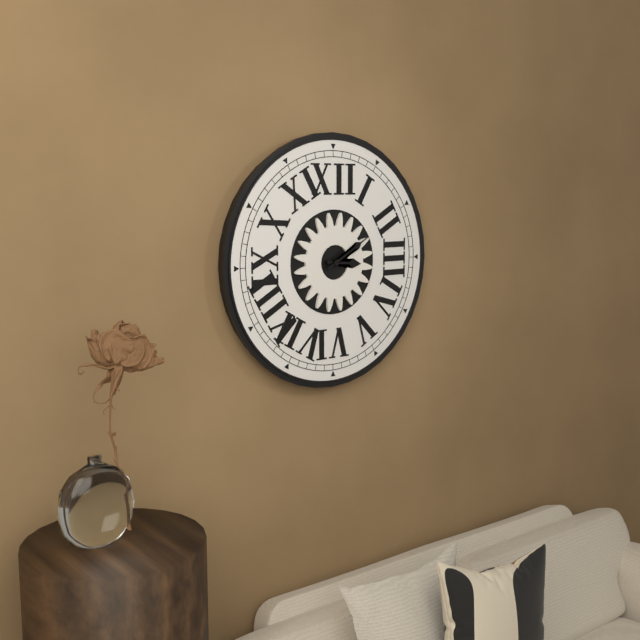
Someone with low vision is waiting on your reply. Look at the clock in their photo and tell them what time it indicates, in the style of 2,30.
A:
3,10
